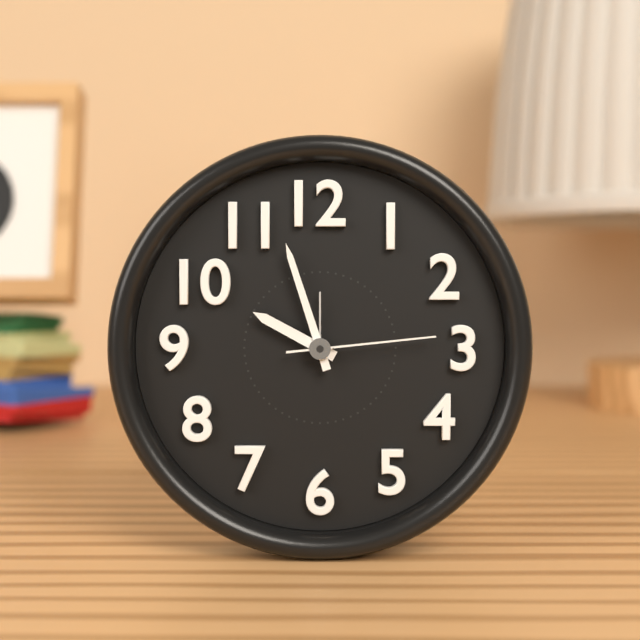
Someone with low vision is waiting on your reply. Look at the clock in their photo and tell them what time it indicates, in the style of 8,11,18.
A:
9,57,14
